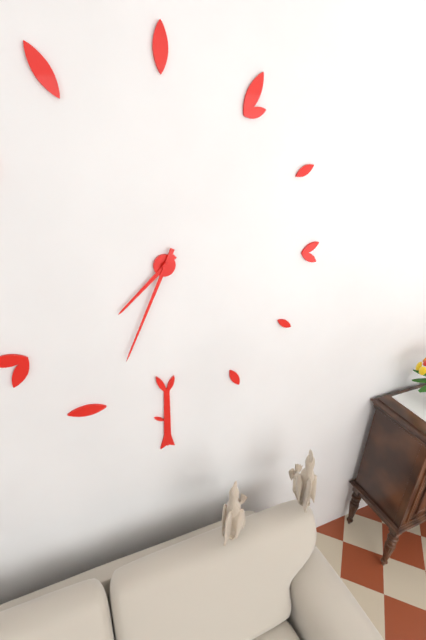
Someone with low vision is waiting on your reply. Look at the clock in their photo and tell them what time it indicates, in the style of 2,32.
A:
7,34
